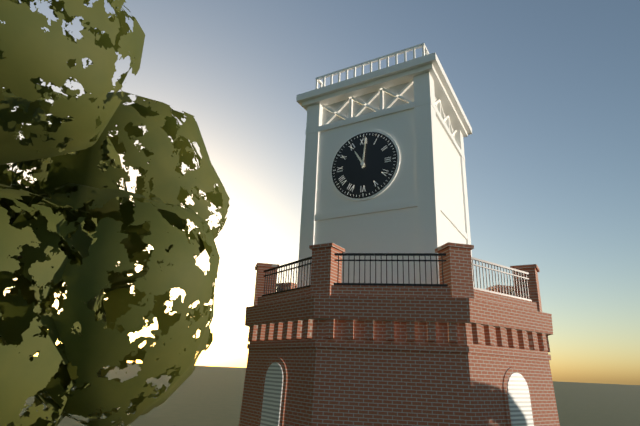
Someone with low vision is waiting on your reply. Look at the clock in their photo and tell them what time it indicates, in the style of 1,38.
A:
11,01
